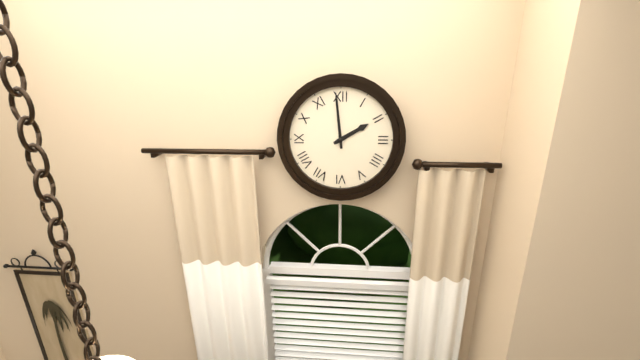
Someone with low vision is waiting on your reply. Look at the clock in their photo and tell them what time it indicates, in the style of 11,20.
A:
1,59
